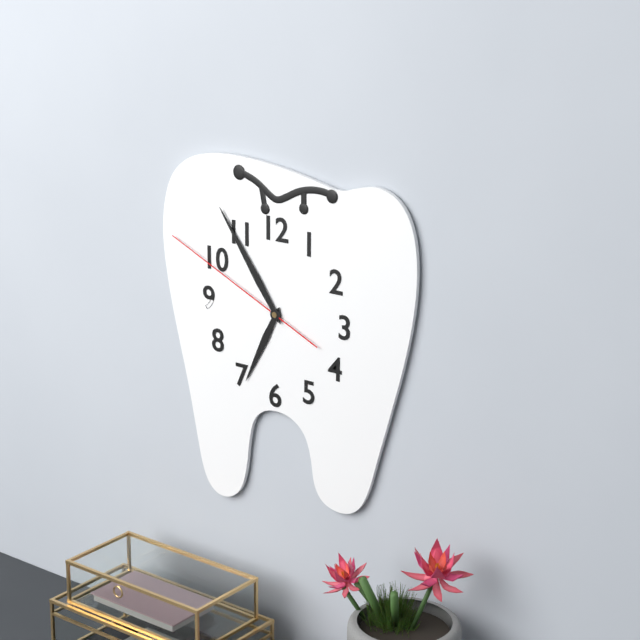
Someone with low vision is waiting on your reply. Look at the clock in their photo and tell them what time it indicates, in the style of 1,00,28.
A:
6,54,49
